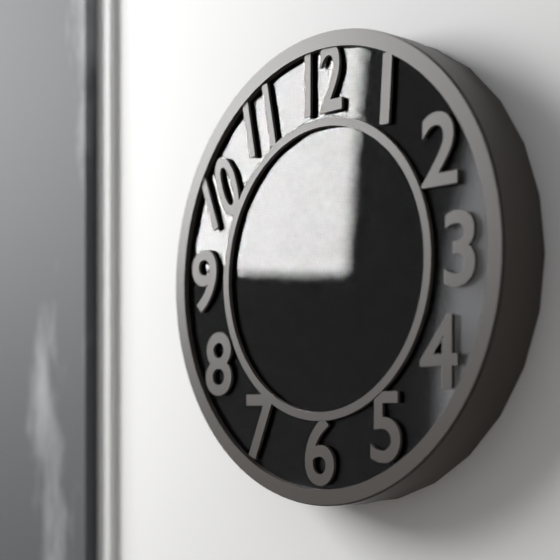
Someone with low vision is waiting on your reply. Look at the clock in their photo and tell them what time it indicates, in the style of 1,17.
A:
5,11
